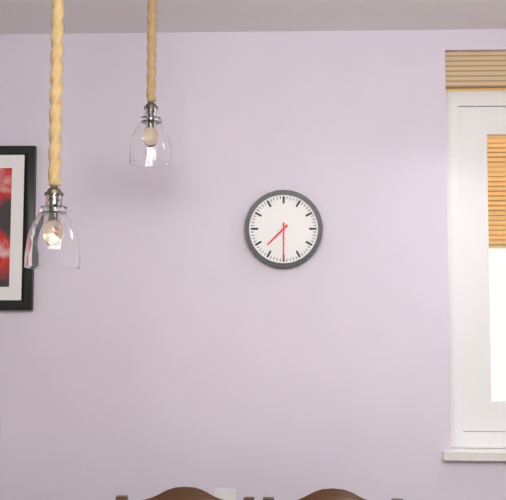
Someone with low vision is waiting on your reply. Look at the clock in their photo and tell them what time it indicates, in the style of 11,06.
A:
7,30
